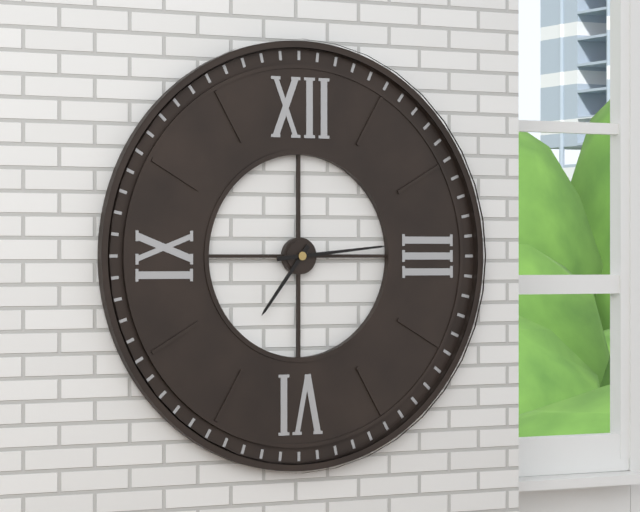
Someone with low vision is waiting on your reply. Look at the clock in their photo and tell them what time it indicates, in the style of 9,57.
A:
7,14
